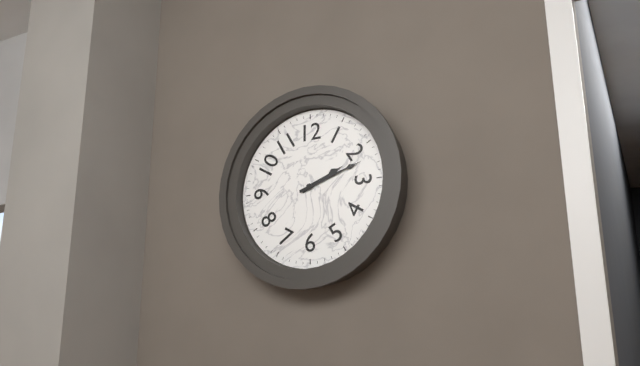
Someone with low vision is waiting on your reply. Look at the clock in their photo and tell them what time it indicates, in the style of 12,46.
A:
2,12
